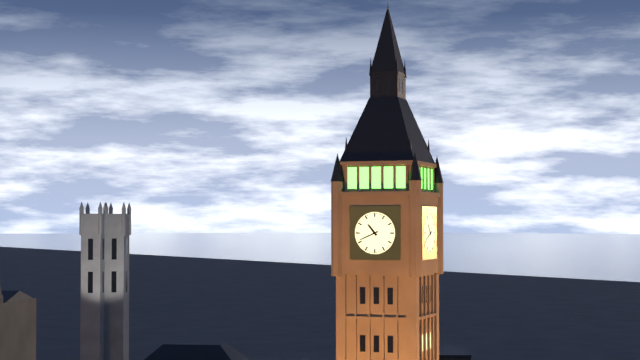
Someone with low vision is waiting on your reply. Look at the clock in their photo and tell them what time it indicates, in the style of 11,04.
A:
10,41
